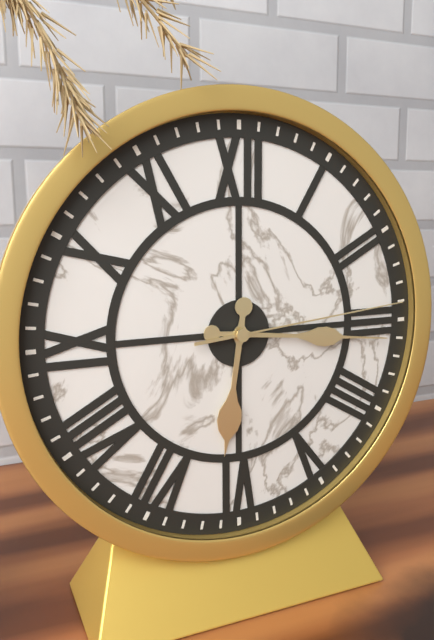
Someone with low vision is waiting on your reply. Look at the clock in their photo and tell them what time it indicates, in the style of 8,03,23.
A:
6,16,14
